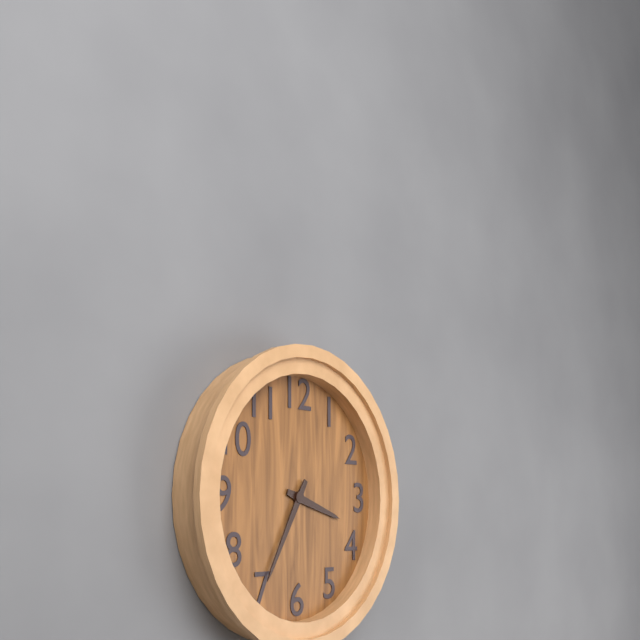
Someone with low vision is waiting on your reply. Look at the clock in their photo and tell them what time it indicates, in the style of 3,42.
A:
3,35
